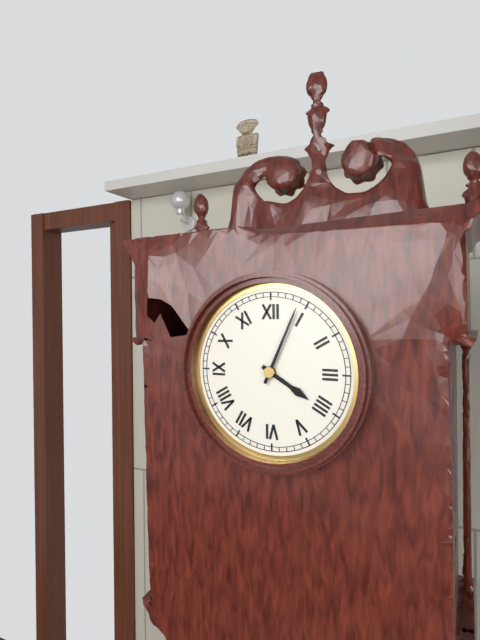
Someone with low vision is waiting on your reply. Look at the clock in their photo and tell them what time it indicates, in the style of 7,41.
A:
4,04
